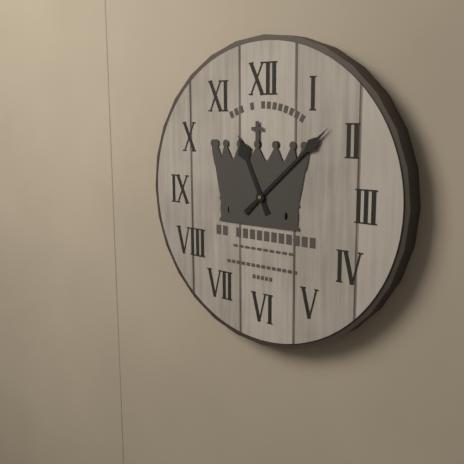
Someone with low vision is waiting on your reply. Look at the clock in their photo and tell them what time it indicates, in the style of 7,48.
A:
11,08
